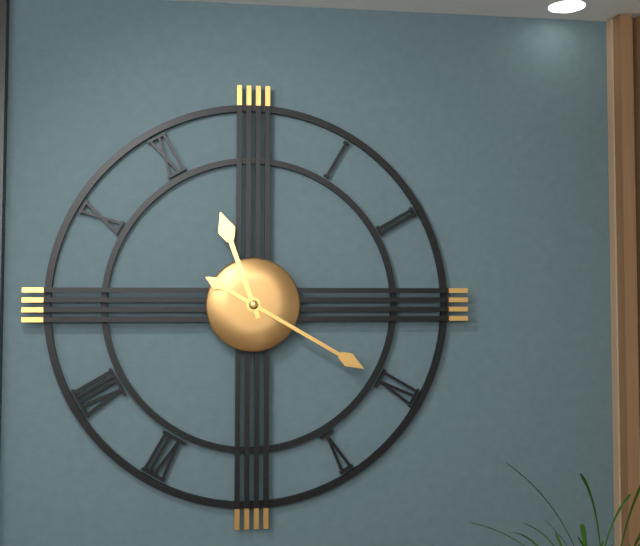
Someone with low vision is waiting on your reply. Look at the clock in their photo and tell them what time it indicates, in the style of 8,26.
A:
11,20
